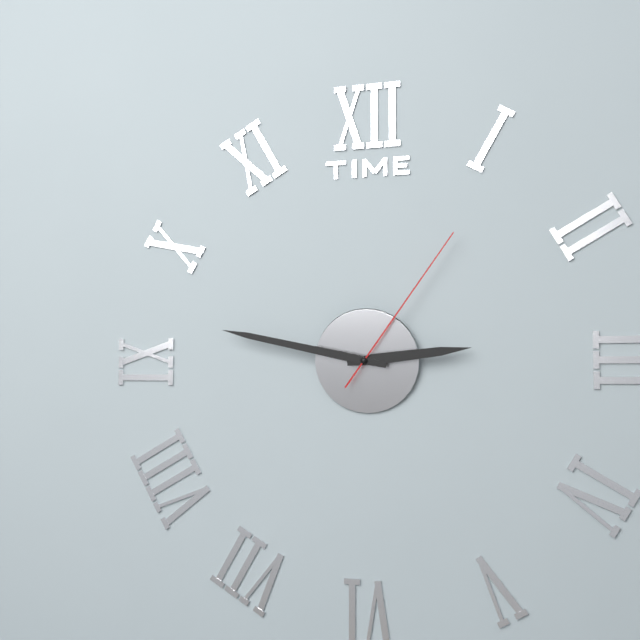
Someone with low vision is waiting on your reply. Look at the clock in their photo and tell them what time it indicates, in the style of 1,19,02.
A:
2,47,06
